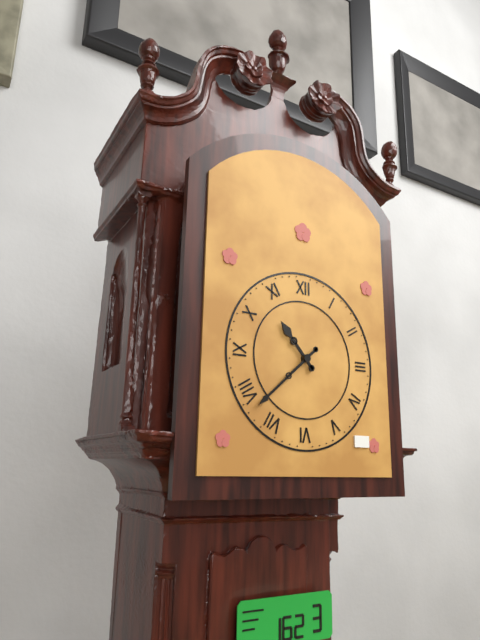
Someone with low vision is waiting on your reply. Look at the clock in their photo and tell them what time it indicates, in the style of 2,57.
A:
10,38
